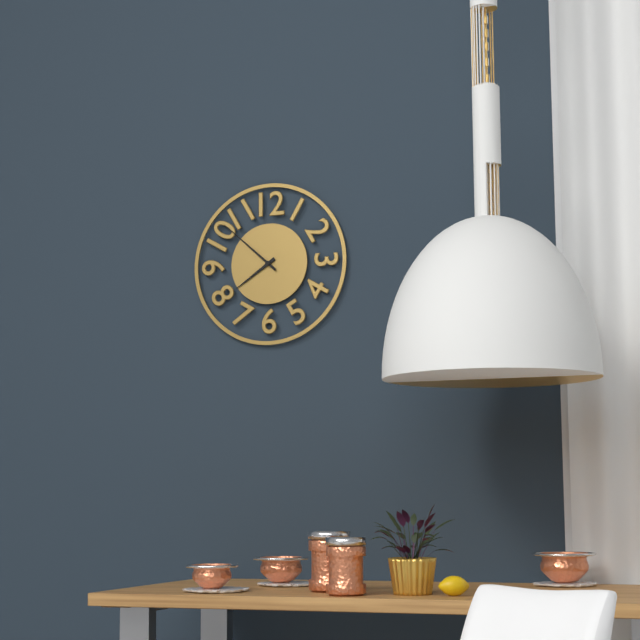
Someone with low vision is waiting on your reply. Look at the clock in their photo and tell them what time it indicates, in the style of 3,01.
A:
7,52
